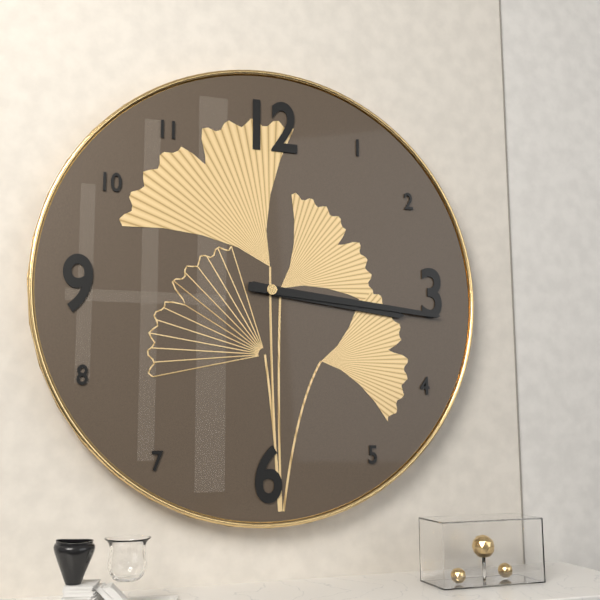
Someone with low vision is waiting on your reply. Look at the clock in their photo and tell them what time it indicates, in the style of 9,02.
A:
3,16
